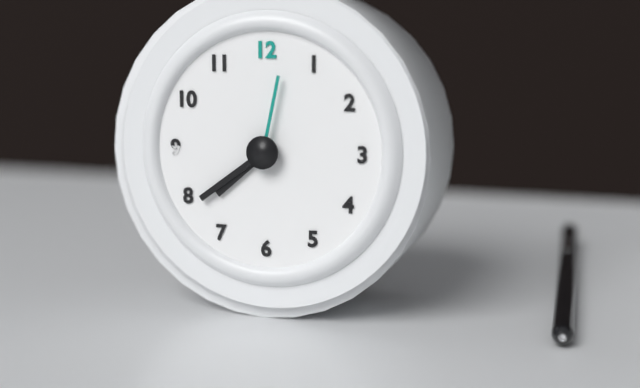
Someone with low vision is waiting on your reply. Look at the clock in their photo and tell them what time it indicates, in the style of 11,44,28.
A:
7,39,02
